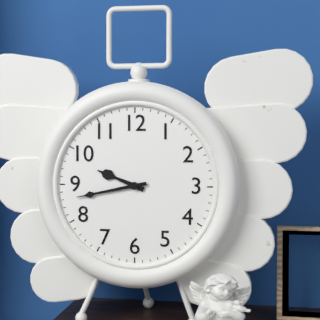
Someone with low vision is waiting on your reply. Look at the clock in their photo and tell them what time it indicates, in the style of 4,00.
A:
9,43
